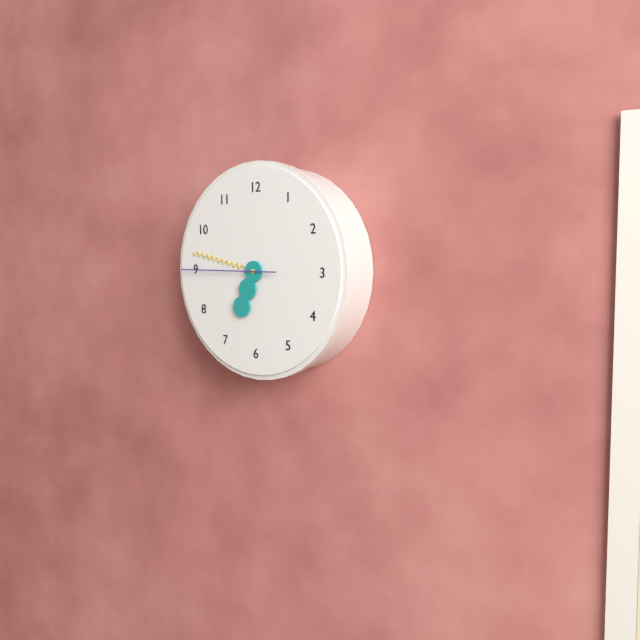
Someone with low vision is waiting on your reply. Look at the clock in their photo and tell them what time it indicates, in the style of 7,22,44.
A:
6,47,45
